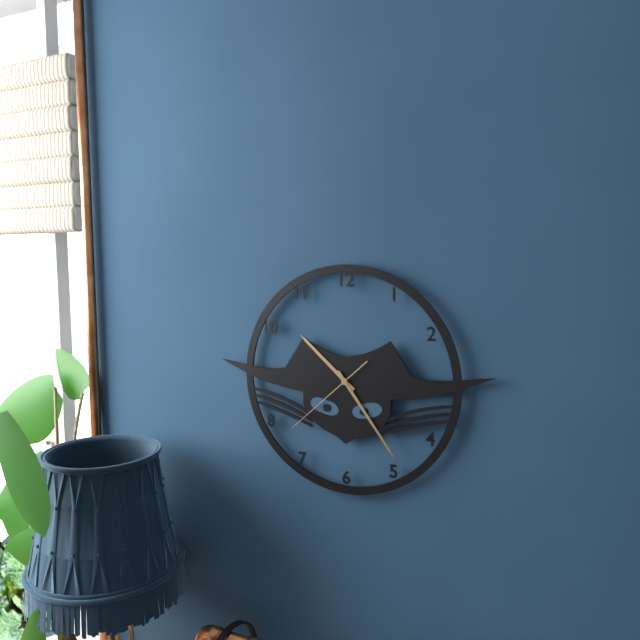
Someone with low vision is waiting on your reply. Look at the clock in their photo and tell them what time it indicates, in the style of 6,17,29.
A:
10,24,38
